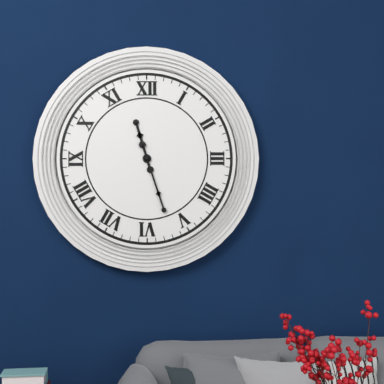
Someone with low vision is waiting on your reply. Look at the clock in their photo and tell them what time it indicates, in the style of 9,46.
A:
11,27
